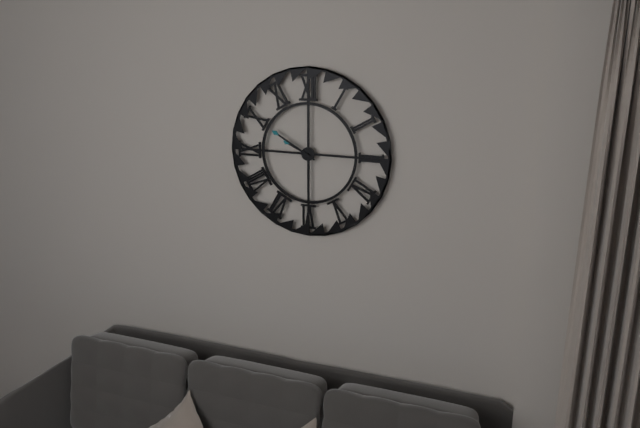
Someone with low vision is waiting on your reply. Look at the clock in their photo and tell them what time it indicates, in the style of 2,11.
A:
9,50
